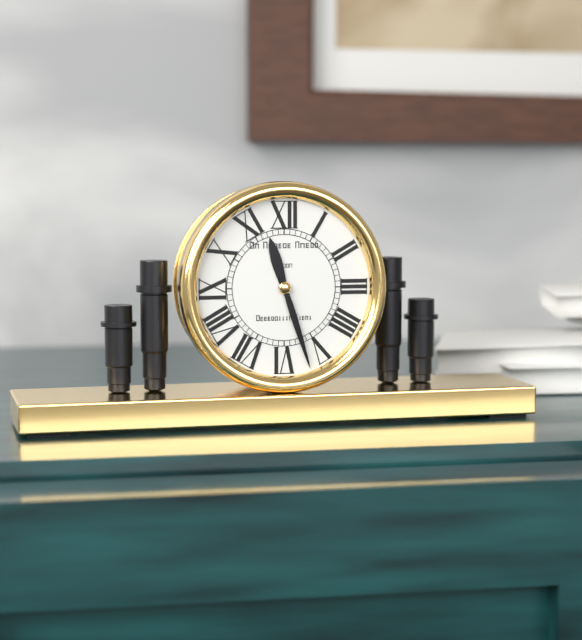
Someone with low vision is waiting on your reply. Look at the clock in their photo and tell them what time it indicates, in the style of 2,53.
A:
11,27
